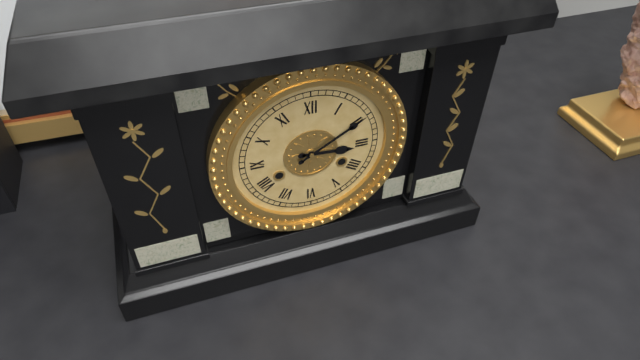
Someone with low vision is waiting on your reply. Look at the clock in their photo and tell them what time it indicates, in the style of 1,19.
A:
3,10
